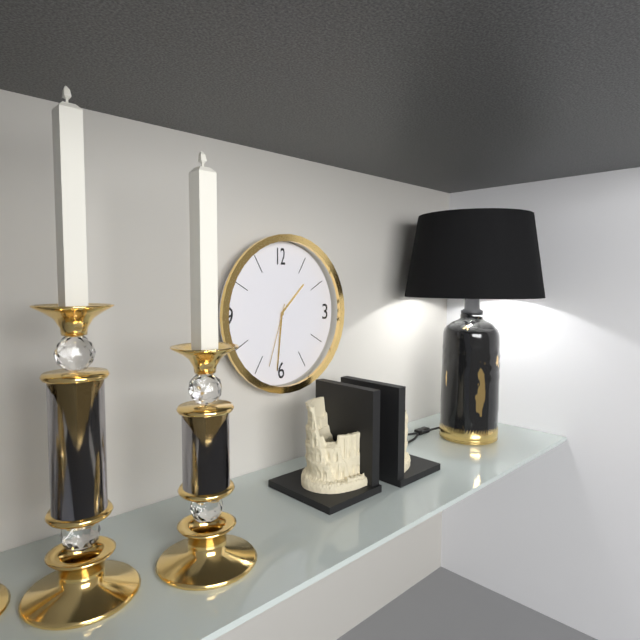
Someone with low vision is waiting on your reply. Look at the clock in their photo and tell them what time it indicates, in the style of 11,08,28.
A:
1,31,33
